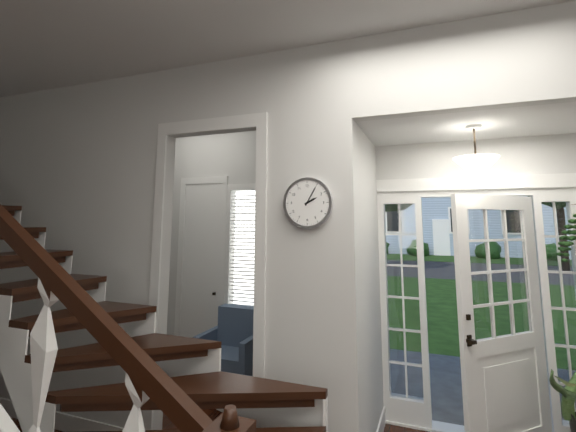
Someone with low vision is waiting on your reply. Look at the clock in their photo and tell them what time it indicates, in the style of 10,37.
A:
2,05
